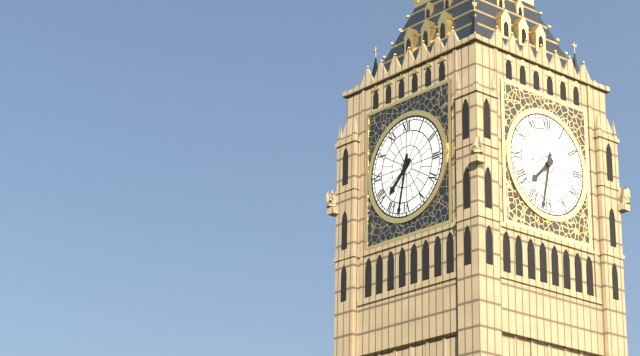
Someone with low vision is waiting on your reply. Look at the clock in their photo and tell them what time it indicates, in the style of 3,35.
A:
7,32
